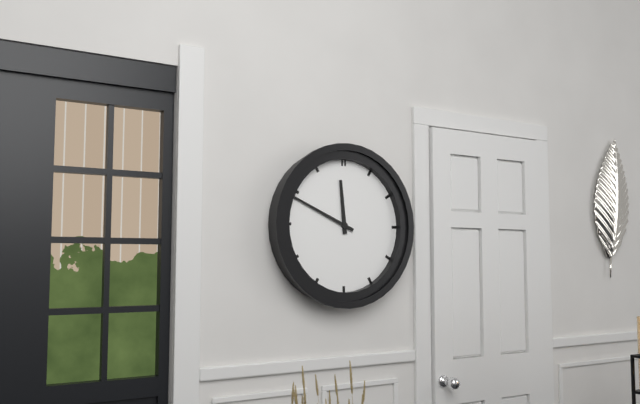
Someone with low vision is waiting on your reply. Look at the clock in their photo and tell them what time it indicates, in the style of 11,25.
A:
11,49
